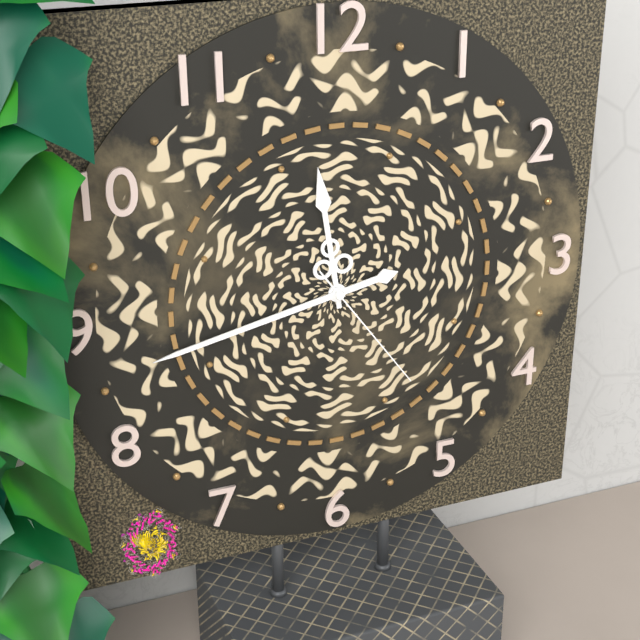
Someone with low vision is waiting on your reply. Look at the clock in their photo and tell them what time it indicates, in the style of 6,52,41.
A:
11,43,24
